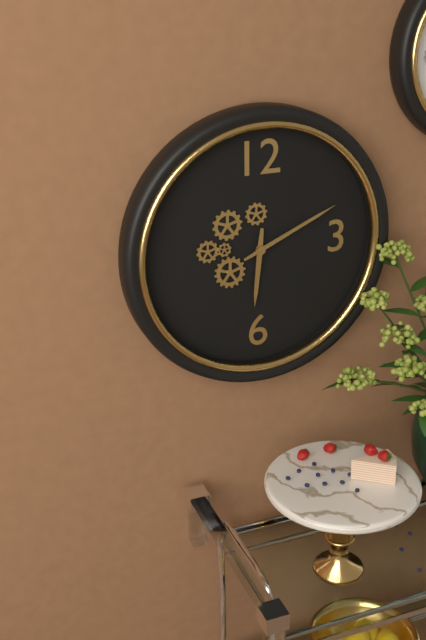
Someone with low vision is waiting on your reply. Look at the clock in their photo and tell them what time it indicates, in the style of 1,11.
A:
6,11
